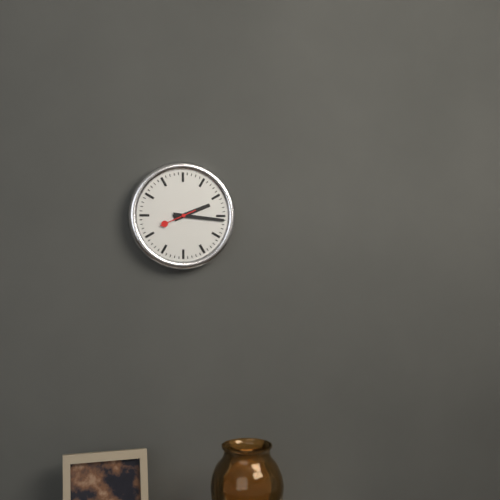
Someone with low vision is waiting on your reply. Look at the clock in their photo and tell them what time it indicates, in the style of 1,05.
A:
2,16
